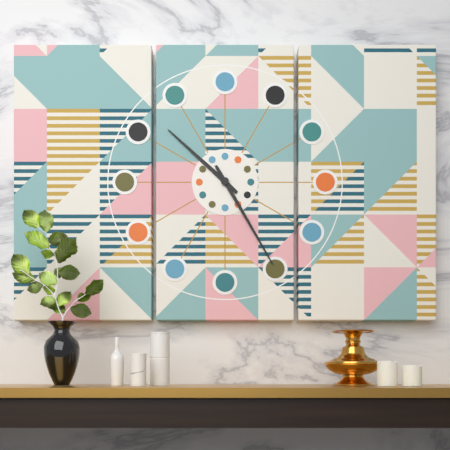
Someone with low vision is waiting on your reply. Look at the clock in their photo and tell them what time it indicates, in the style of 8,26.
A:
10,25
